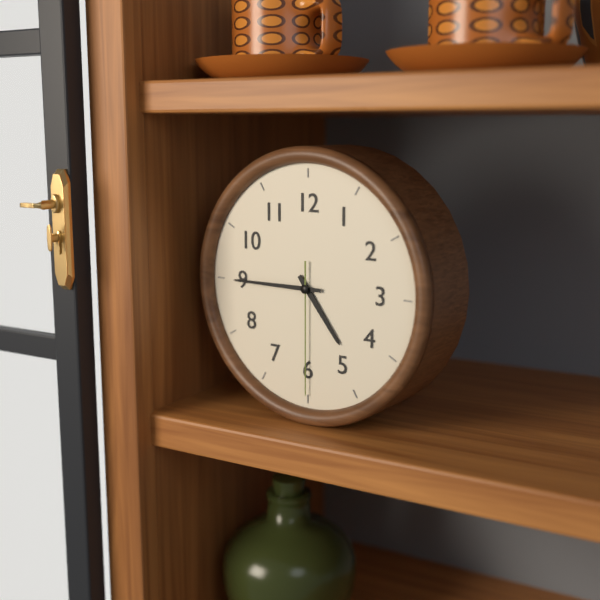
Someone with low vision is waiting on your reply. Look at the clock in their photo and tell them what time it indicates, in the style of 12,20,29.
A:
4,45,30
